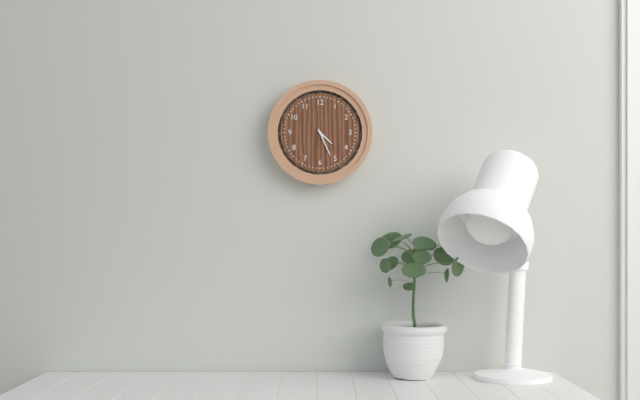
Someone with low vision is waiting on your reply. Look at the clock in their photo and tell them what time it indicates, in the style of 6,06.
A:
4,26
